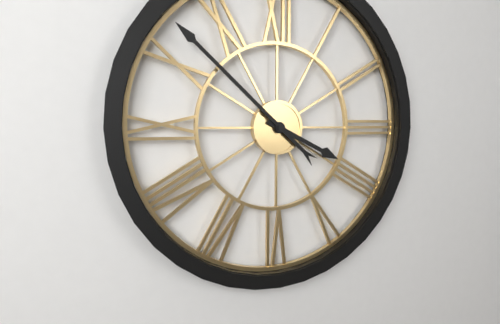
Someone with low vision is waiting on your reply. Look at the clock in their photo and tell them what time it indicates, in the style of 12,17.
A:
3,52
